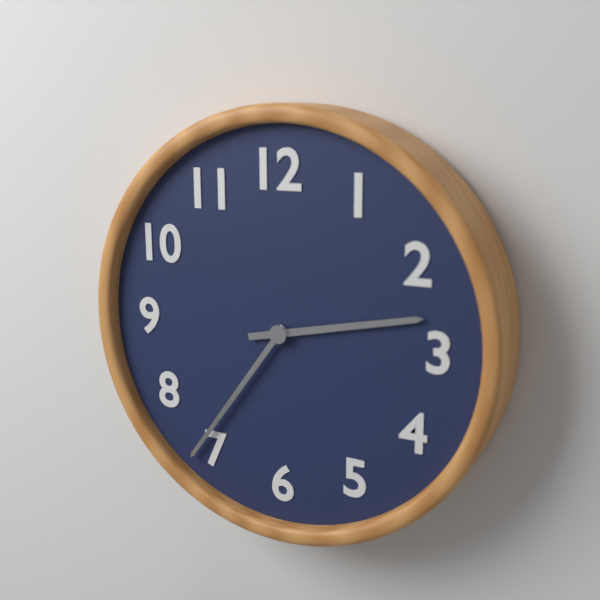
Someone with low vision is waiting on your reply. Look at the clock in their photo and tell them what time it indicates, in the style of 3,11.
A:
2,36
